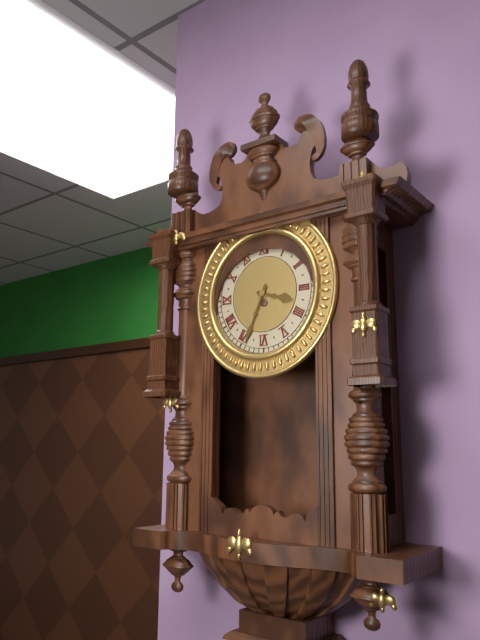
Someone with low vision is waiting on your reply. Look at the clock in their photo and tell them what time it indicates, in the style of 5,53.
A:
3,34
